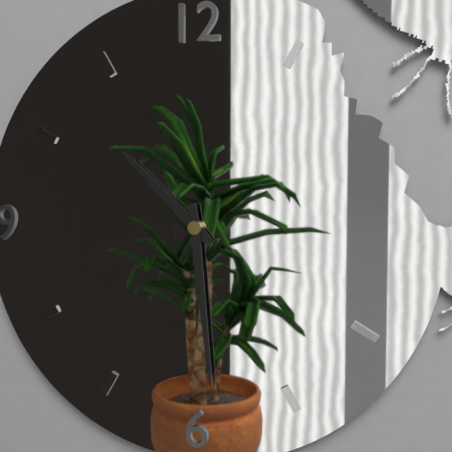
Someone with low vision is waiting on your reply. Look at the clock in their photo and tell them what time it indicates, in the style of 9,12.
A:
10,29
